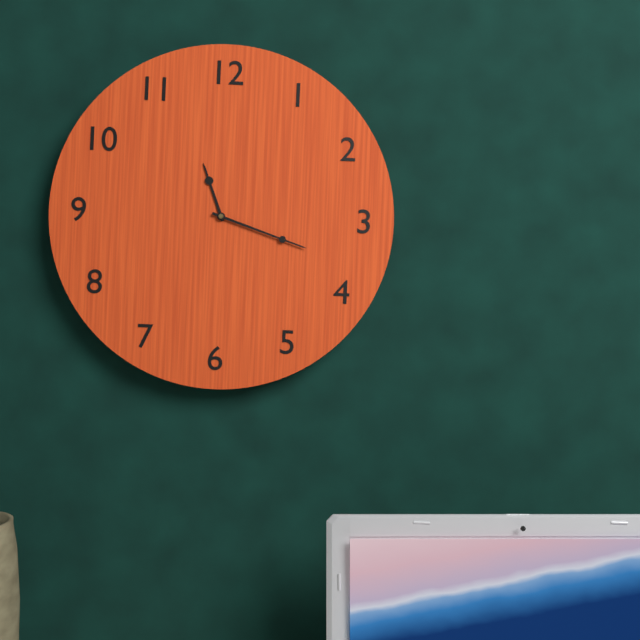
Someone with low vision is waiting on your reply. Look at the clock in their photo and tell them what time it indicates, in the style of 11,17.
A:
11,18
